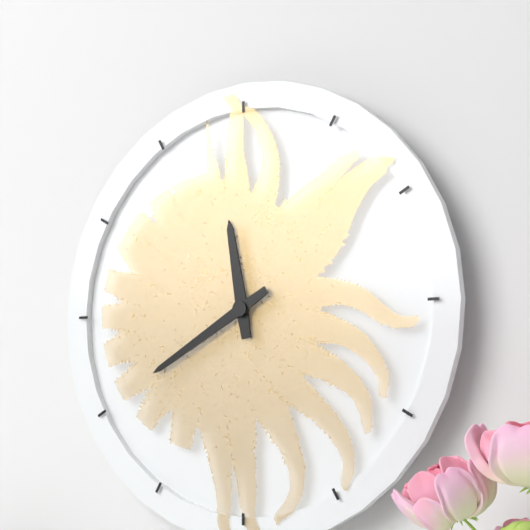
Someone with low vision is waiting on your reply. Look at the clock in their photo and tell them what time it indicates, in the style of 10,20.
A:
11,40
